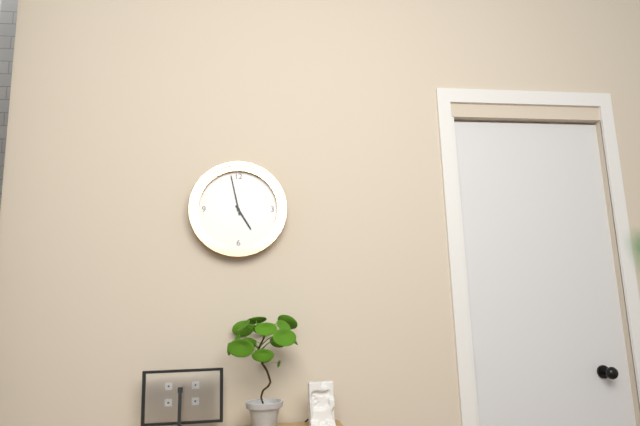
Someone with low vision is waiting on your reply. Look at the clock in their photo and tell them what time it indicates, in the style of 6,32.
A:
4,58
